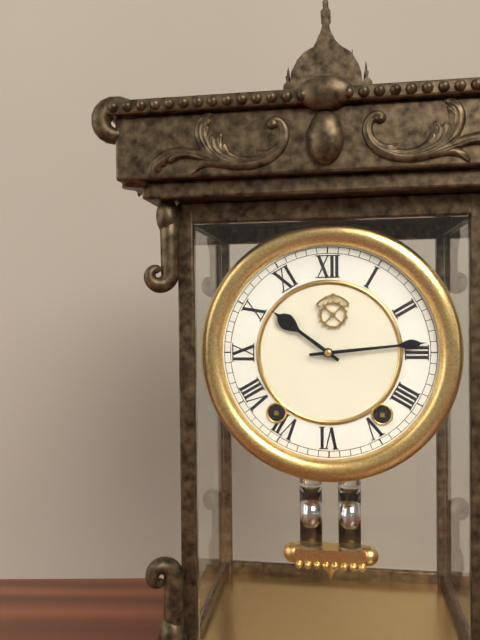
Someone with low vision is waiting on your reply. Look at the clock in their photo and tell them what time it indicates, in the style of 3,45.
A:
10,14
